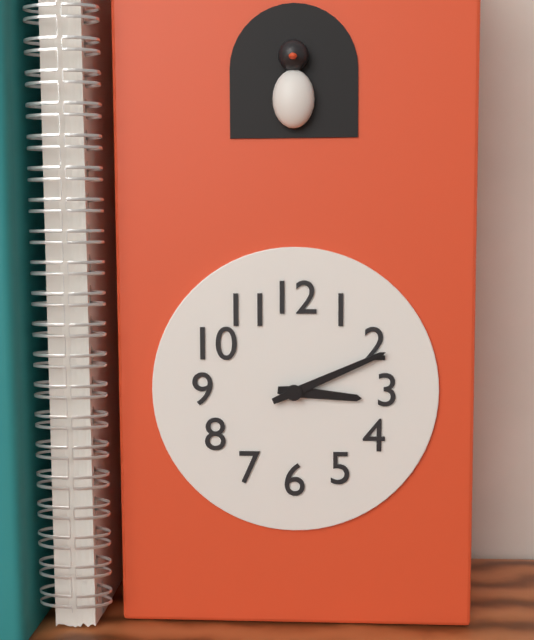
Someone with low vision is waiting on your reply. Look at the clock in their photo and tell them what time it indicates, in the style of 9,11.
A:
3,11
